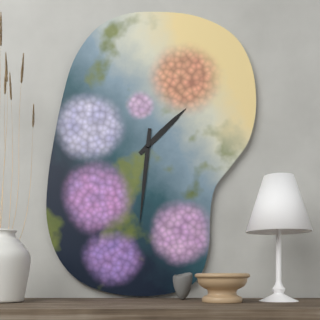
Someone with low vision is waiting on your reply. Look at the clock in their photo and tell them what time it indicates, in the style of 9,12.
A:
1,31
